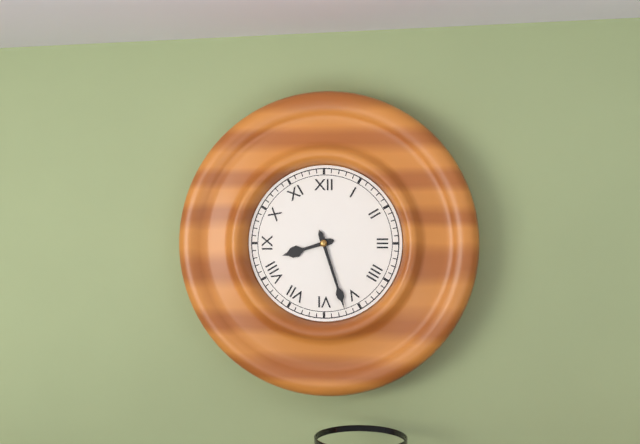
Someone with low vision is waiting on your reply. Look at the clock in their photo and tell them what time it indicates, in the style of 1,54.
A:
8,27
